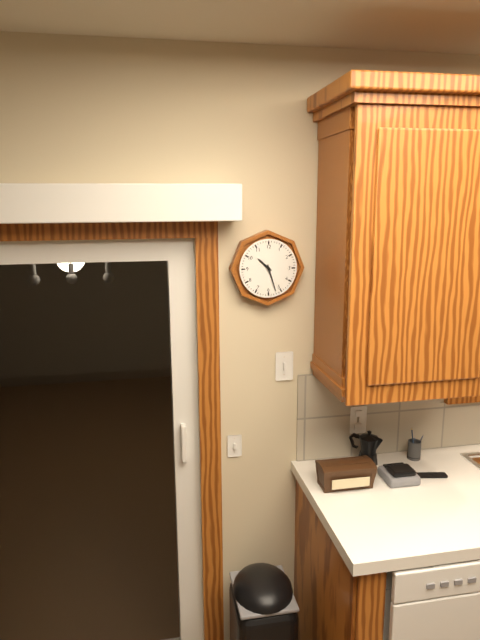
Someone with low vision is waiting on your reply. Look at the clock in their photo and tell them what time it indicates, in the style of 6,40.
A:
10,27
